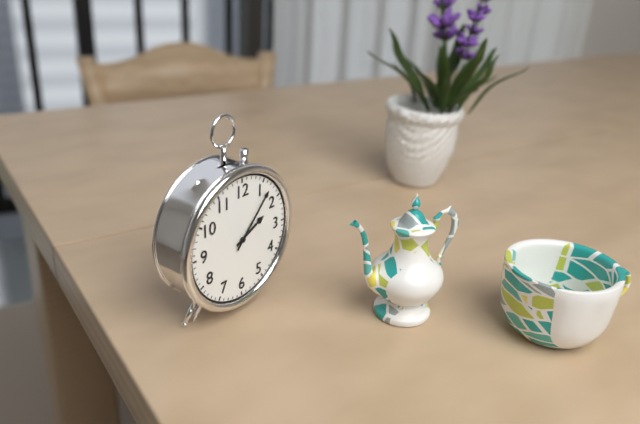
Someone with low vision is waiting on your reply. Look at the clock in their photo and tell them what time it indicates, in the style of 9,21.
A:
2,07
